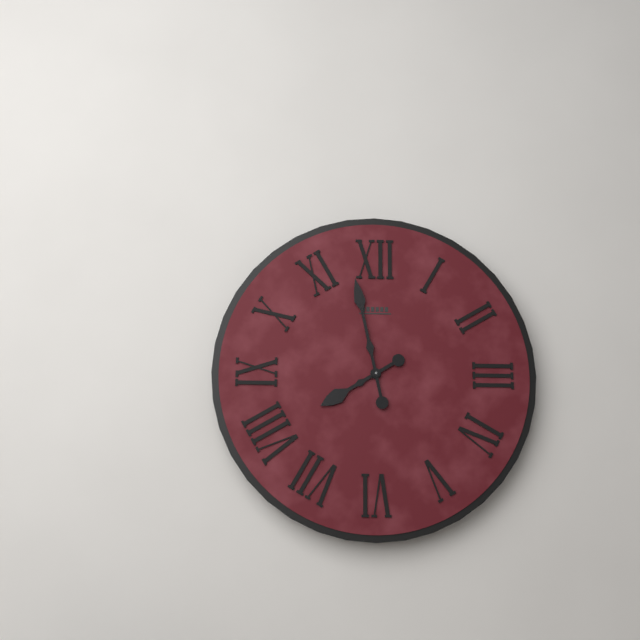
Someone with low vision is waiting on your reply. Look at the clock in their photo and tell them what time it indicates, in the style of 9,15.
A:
7,58
